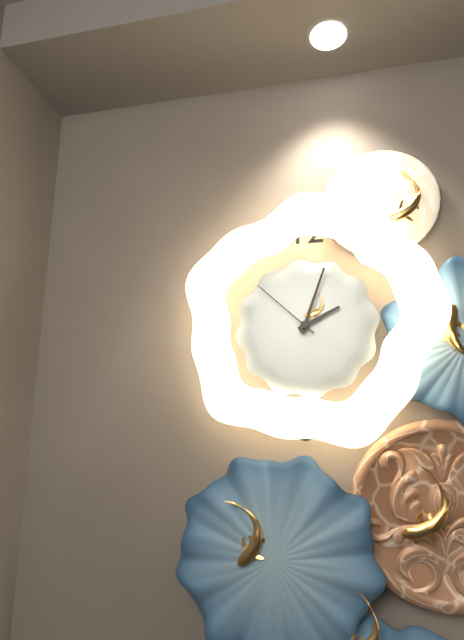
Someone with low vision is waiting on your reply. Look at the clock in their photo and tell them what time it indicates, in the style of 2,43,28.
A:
2,03,52
